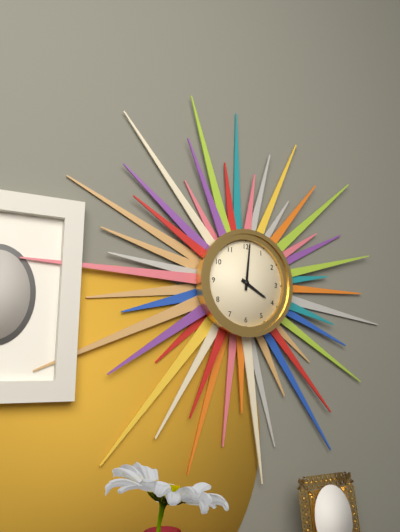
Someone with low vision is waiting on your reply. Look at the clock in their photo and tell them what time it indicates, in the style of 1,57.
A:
4,01
